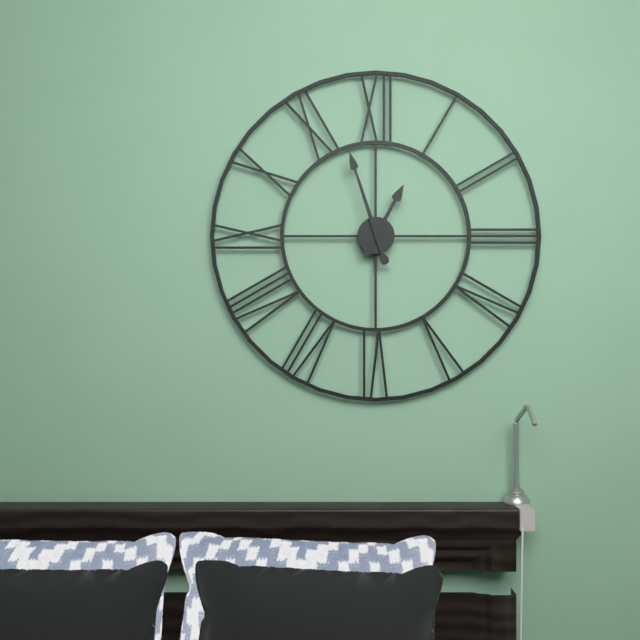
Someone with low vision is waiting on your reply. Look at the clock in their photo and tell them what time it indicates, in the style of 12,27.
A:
12,57
